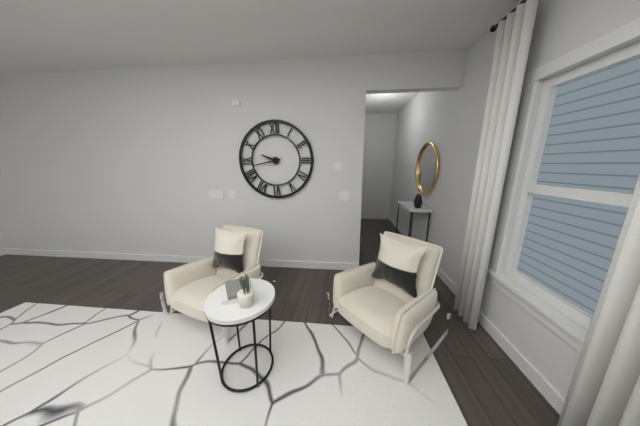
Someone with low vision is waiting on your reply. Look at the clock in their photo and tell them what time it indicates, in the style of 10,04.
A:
9,43
